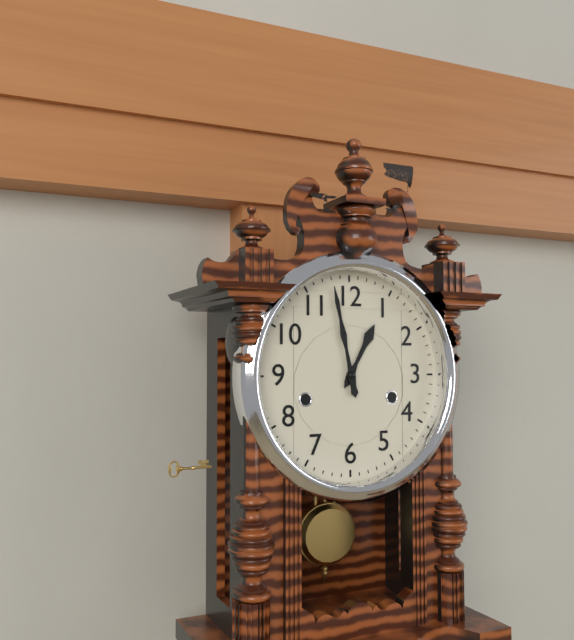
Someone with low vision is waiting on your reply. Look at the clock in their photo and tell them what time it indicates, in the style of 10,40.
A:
12,58
